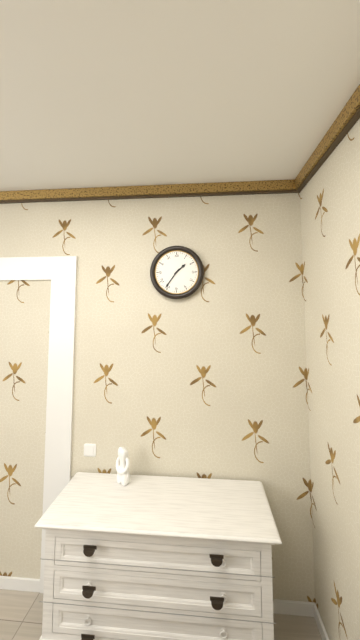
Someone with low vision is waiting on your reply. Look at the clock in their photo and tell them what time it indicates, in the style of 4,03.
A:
1,36
